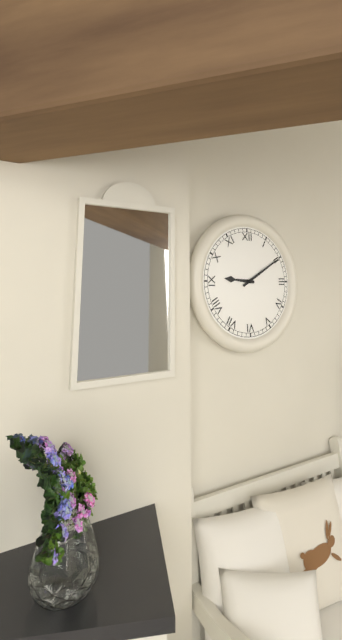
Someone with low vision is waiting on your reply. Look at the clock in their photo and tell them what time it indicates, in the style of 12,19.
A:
9,10
